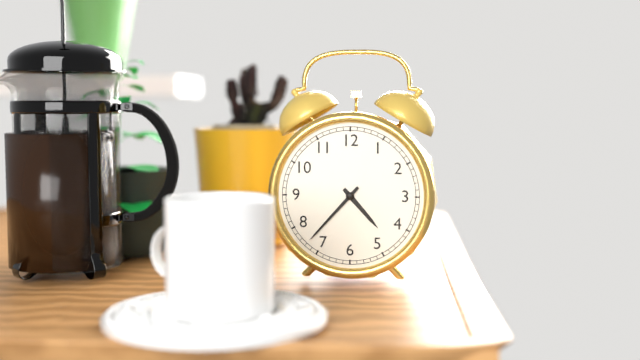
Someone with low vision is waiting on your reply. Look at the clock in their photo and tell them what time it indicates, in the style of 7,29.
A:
4,37
